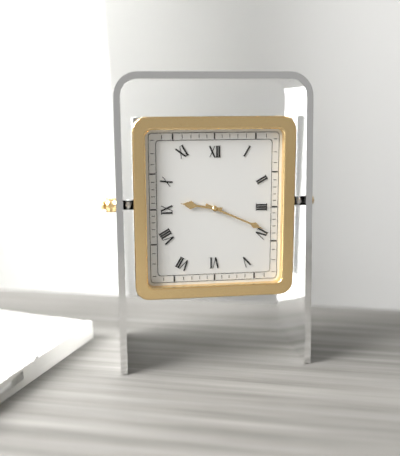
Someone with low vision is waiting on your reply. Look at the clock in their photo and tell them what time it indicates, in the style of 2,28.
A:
9,19
